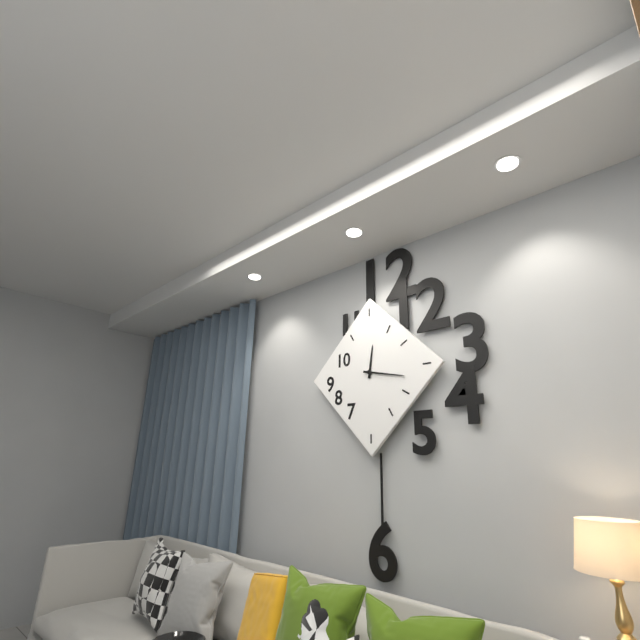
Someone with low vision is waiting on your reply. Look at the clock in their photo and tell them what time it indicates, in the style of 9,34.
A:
12,17
